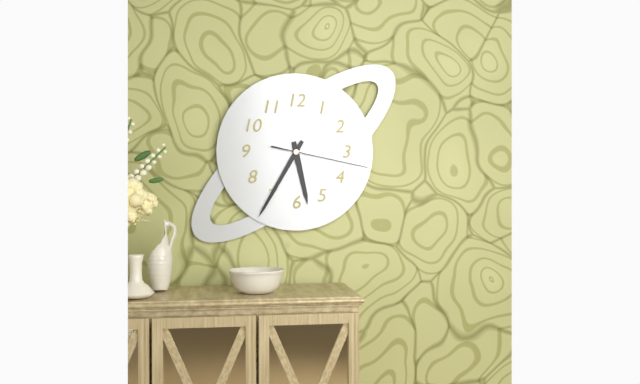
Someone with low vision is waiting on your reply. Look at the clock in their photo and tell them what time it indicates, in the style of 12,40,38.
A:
5,35,17
